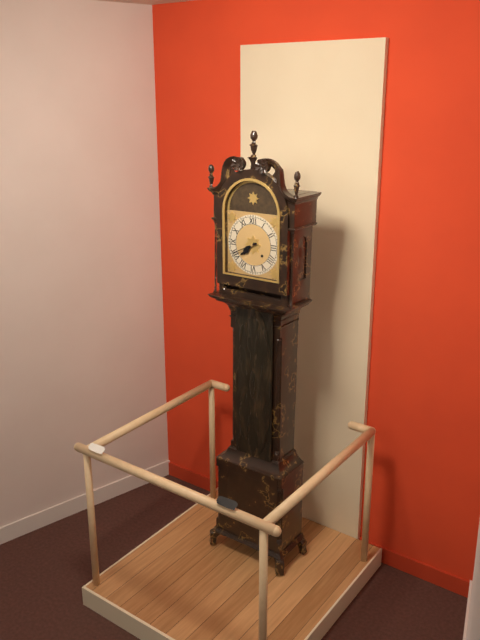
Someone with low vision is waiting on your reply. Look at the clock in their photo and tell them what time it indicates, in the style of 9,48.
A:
7,41
